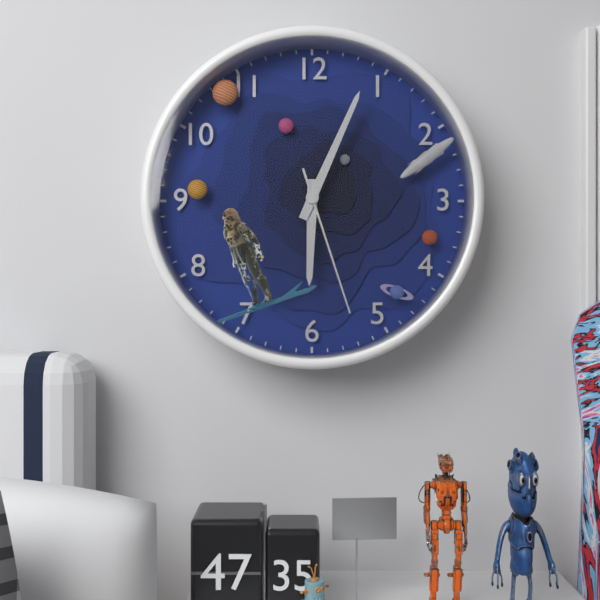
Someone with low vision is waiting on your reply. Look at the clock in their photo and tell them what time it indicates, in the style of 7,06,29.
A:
6,04,27
